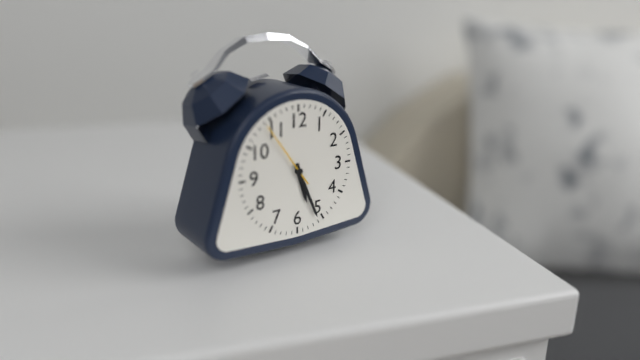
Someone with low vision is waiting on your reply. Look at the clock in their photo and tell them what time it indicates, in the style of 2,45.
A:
5,26
